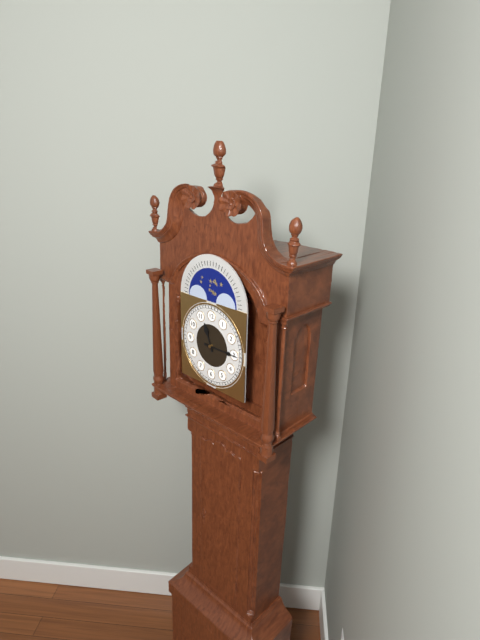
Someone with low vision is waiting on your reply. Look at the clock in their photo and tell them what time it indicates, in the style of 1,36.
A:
11,15
